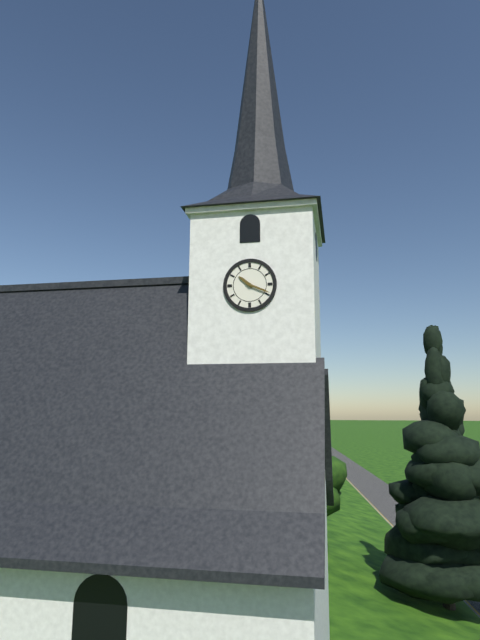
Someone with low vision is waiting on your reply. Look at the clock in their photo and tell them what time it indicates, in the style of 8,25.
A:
10,19
